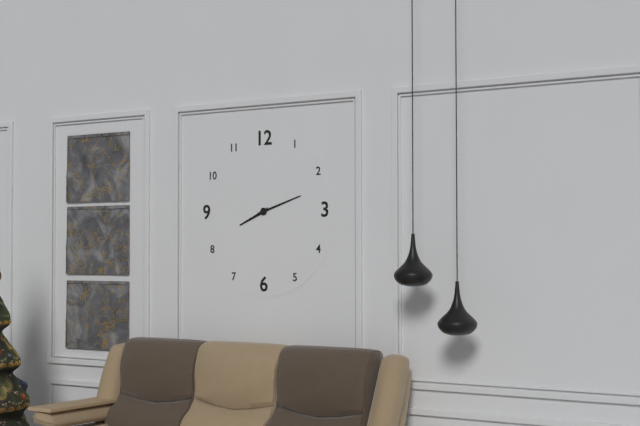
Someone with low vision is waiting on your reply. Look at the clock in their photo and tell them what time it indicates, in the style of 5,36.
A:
8,12
